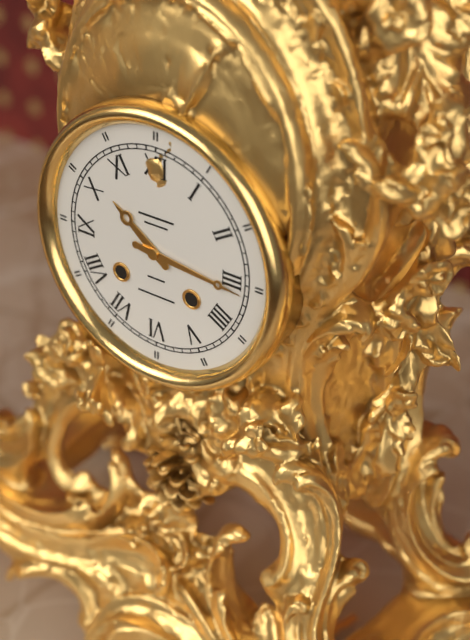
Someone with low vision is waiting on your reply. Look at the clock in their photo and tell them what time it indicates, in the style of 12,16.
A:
10,16
